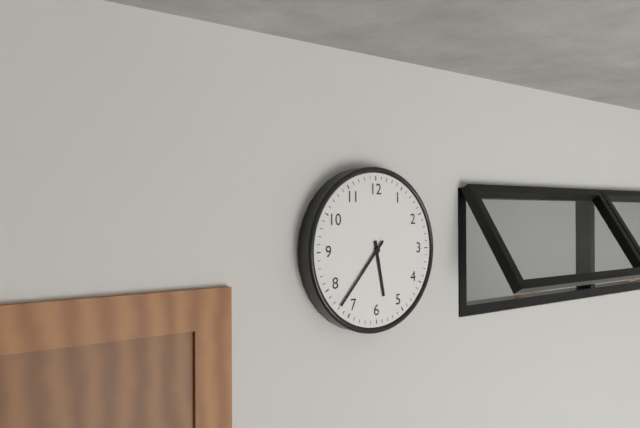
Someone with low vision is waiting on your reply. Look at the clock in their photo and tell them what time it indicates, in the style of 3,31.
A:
5,37
